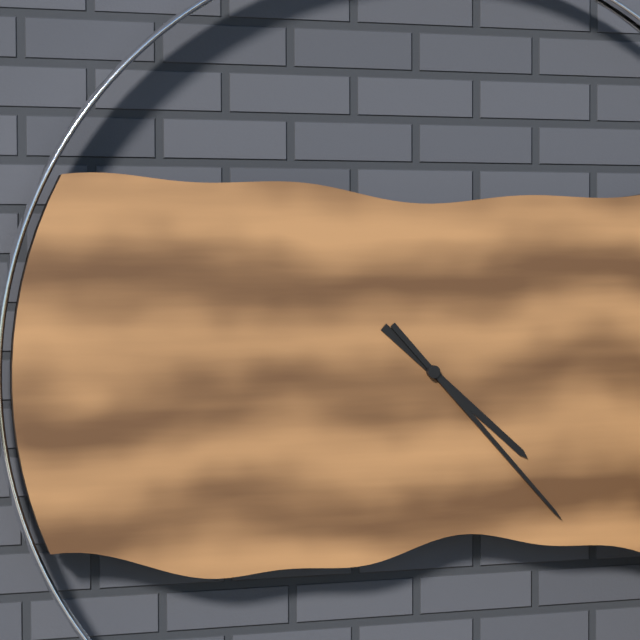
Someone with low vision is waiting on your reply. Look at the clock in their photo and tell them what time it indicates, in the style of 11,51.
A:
4,23
